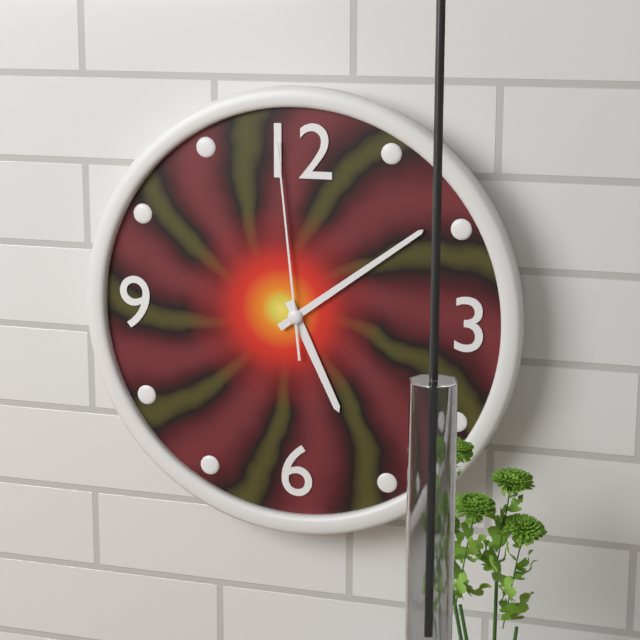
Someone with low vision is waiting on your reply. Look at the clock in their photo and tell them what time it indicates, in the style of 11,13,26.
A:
5,09,59
